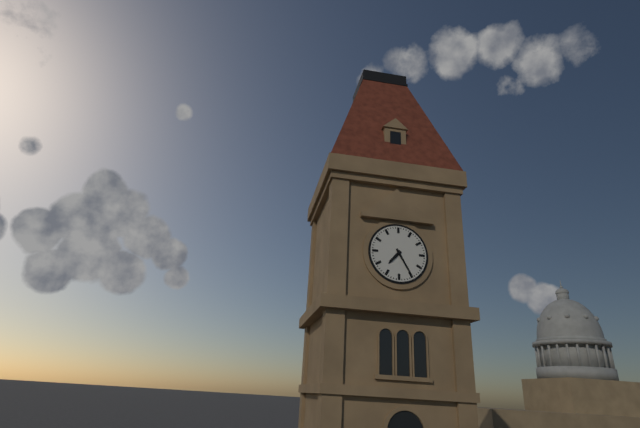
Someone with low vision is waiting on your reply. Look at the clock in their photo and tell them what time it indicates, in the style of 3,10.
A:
7,25
